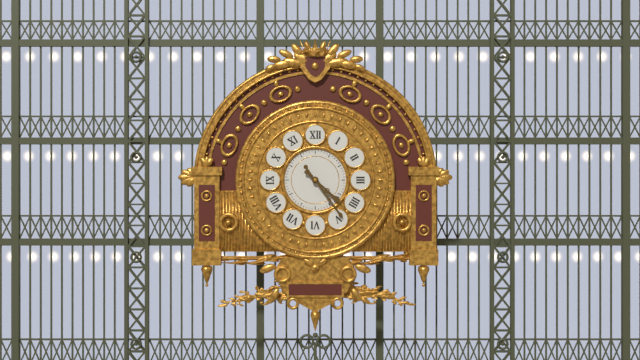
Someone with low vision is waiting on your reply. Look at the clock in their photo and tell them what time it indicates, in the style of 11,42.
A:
4,24
